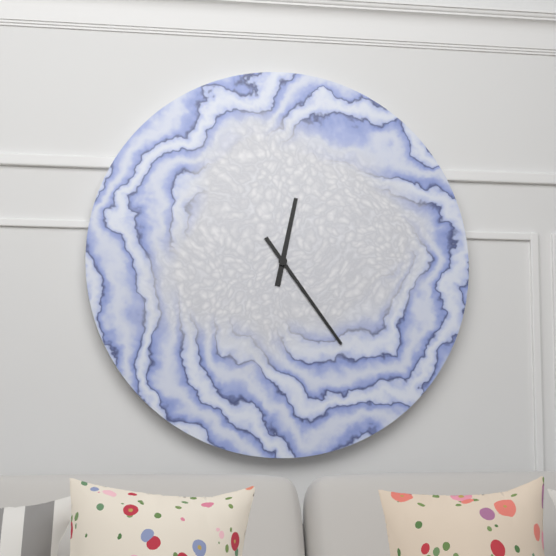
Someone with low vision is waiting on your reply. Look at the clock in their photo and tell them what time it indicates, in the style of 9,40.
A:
12,24
